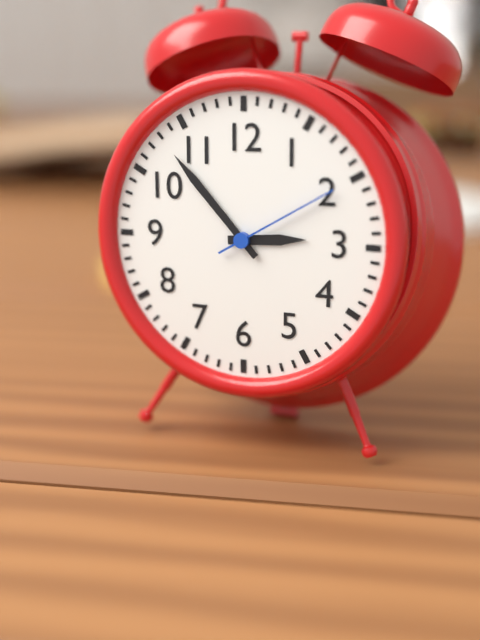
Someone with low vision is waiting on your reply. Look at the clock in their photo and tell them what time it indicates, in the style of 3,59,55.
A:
2,53,10
